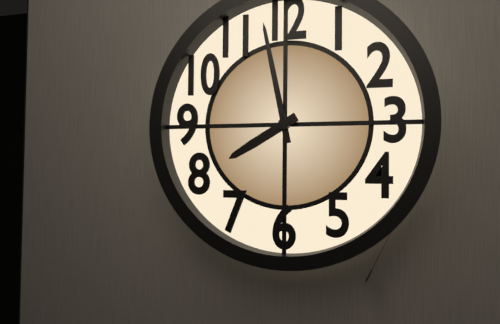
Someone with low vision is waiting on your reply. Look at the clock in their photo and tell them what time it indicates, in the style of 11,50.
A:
7,58
